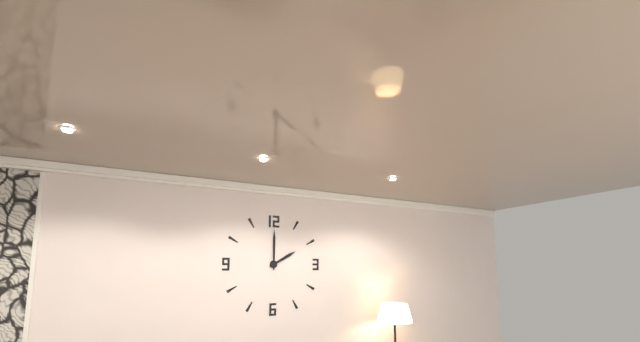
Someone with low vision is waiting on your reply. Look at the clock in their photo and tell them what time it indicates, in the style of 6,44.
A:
2,00
